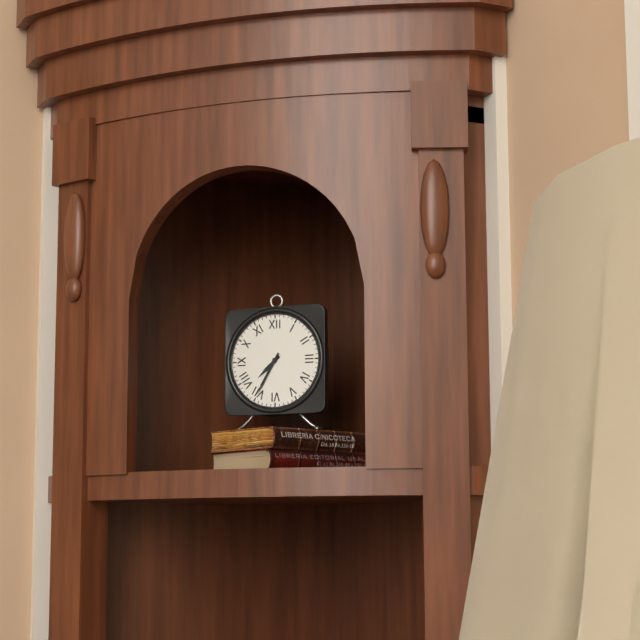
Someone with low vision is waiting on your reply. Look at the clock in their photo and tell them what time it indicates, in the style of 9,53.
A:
7,35
